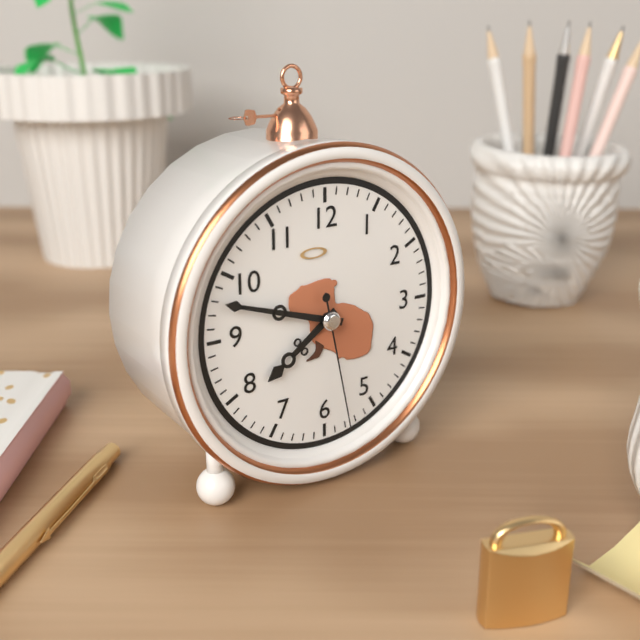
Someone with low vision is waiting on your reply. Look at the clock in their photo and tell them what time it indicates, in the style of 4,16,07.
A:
7,48,28
